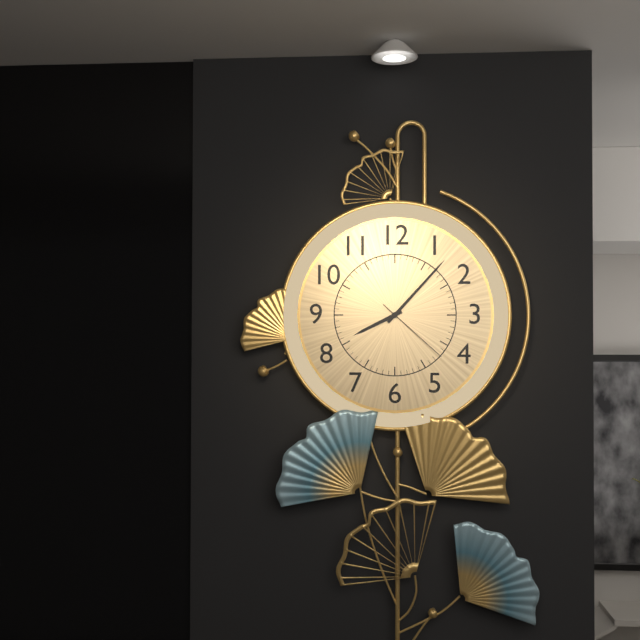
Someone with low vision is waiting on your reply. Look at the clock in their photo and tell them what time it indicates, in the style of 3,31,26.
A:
8,07,22
